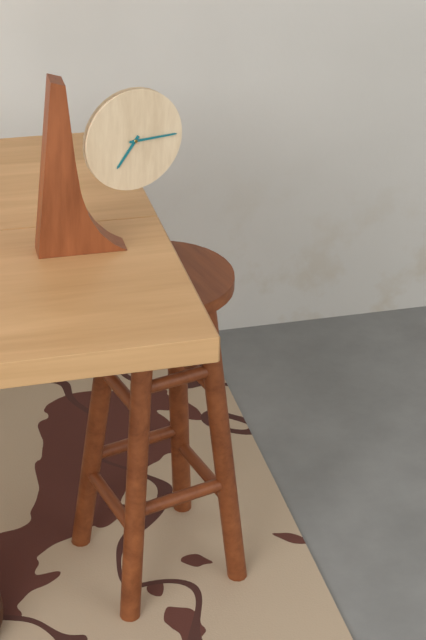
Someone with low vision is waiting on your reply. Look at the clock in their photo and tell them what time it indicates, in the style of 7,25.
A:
7,15
